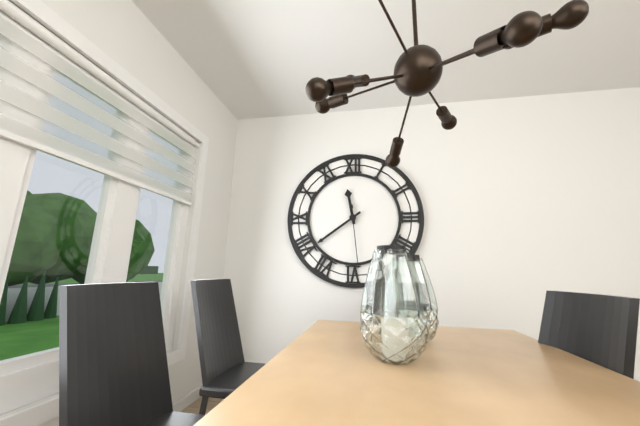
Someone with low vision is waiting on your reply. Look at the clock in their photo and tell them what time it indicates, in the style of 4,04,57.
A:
11,39,29
